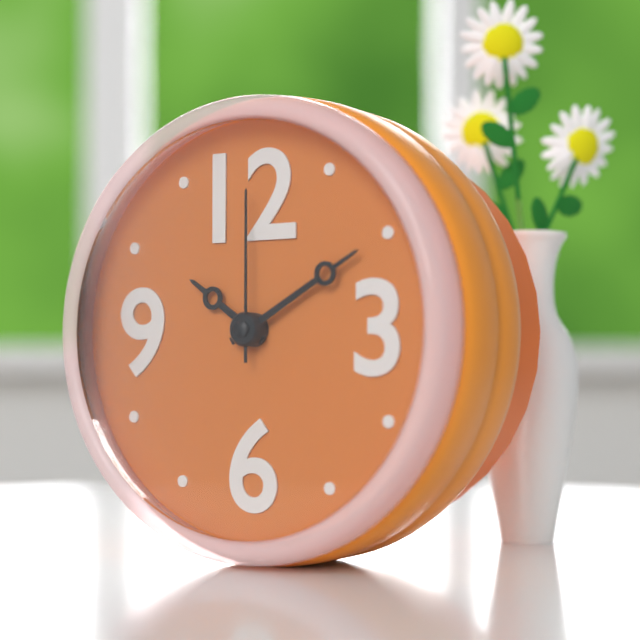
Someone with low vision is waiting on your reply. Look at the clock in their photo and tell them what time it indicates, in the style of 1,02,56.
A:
10,10,00
